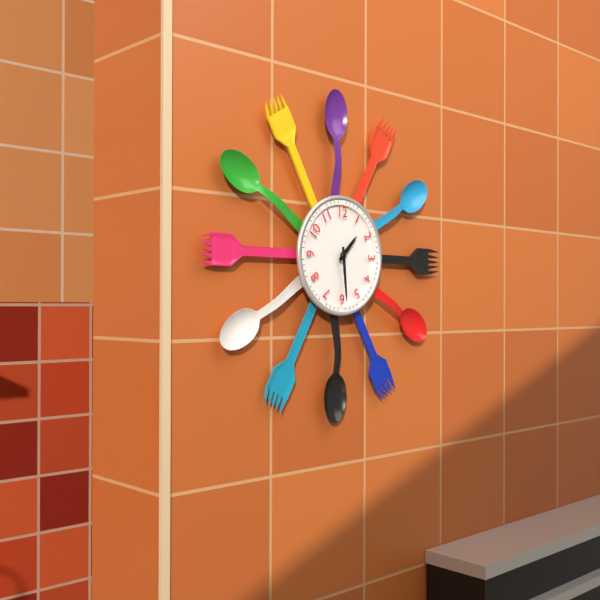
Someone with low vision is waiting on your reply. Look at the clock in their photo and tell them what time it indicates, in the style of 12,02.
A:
1,29
